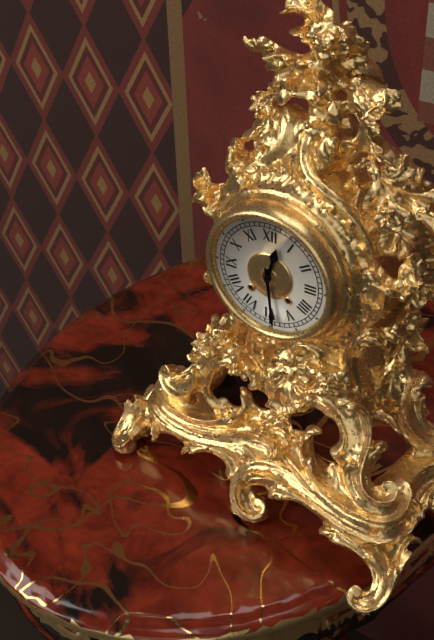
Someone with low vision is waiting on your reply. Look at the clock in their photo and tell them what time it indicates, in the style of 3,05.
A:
12,29
